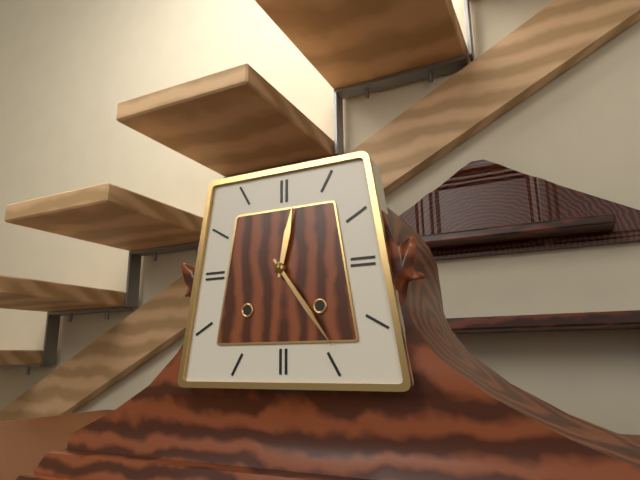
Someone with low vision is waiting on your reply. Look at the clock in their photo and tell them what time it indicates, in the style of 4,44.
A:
12,24
